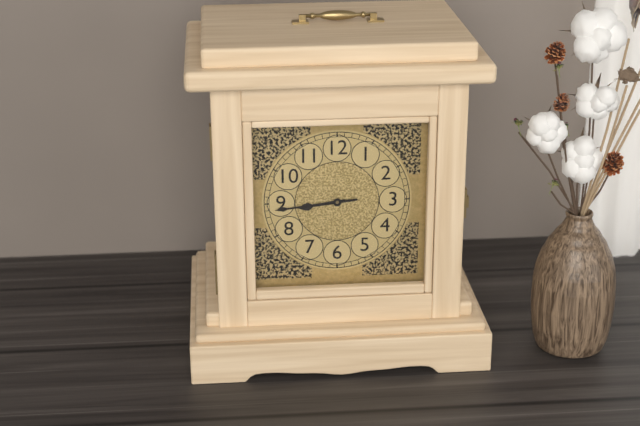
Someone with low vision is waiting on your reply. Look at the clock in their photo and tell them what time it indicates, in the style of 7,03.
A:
8,44
